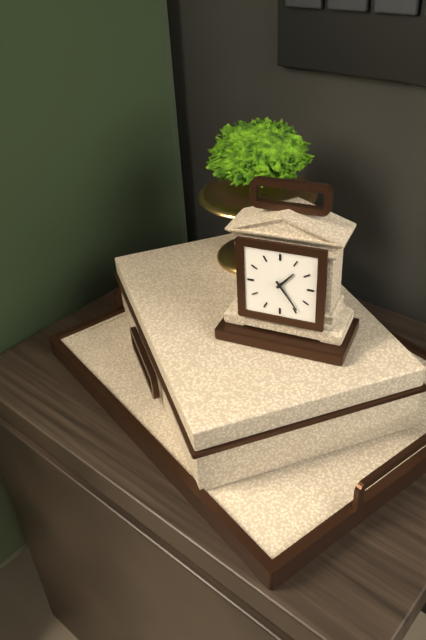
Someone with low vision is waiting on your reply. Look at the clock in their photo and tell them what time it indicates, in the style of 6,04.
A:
1,24
